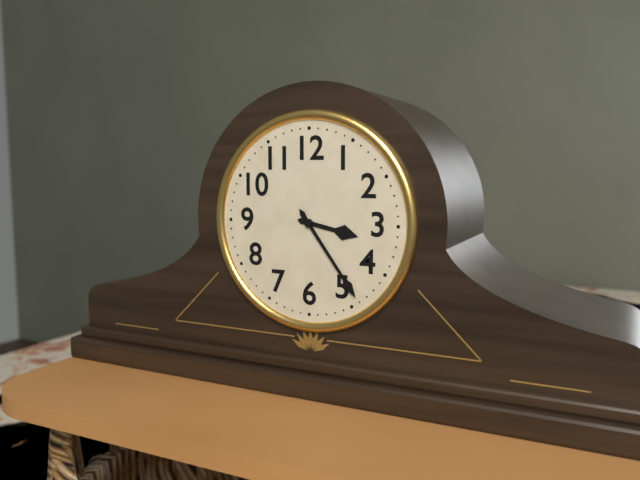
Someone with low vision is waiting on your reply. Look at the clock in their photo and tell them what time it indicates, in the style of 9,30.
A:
3,24
